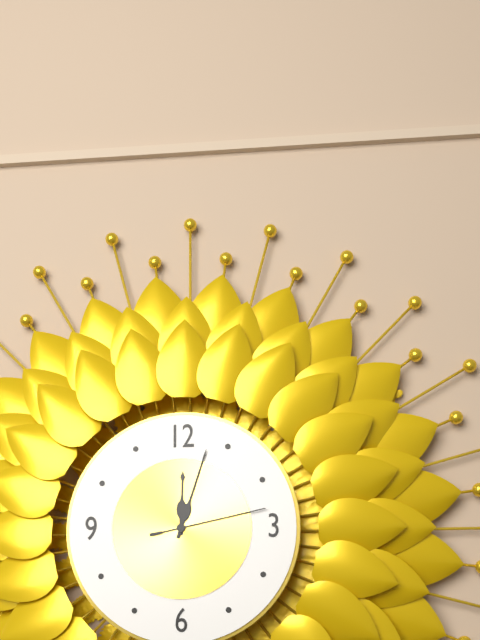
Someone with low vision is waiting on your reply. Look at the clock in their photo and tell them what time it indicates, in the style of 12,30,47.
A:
12,03,13
